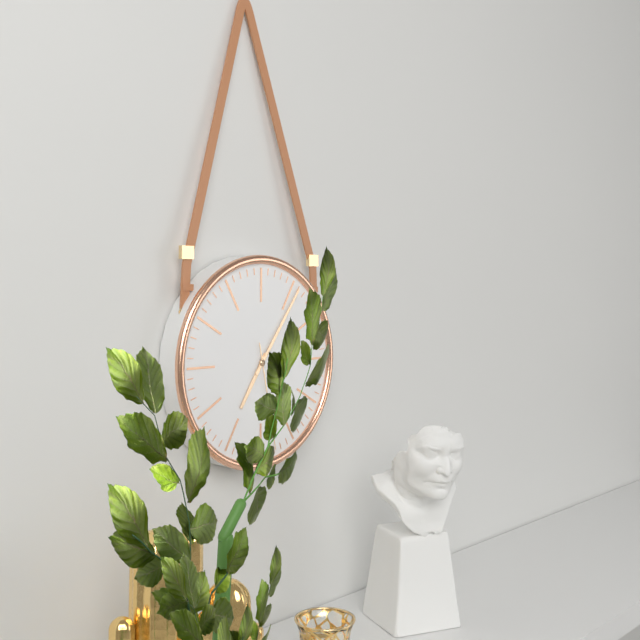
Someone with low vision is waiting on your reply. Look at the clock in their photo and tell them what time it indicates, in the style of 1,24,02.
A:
7,06,28
